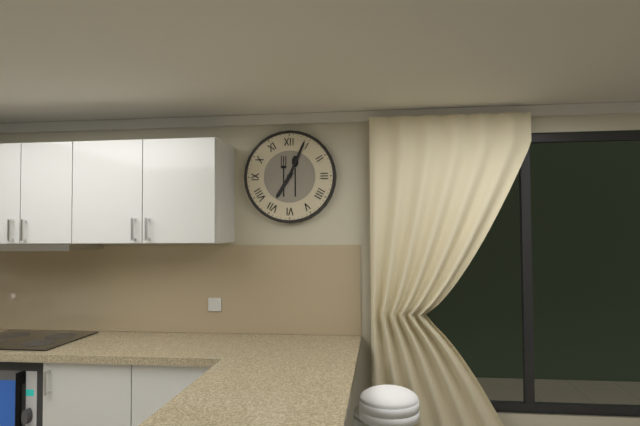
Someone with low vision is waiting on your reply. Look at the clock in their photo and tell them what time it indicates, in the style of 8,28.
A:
7,04
